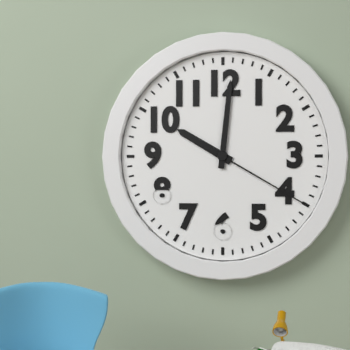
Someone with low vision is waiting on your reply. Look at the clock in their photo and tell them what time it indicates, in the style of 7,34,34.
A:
10,01,20
